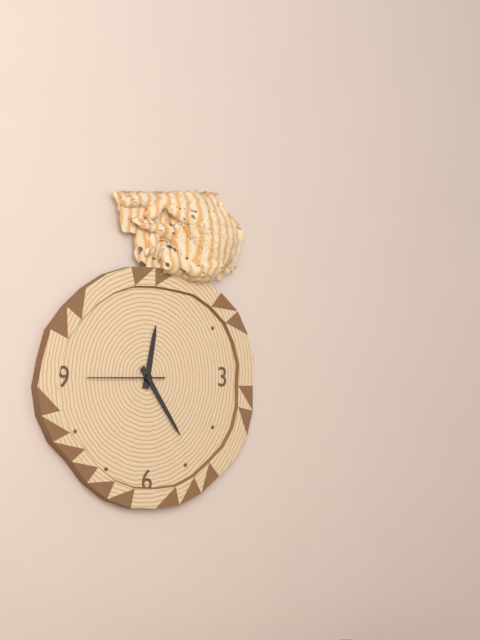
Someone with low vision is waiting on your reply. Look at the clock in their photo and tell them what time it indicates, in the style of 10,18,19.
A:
12,24,45
